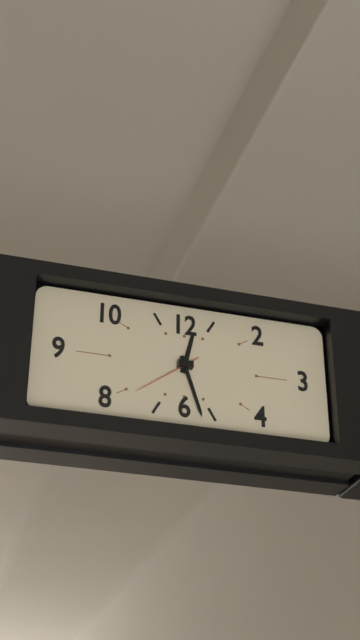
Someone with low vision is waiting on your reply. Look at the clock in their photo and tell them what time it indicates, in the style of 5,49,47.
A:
12,27,39
